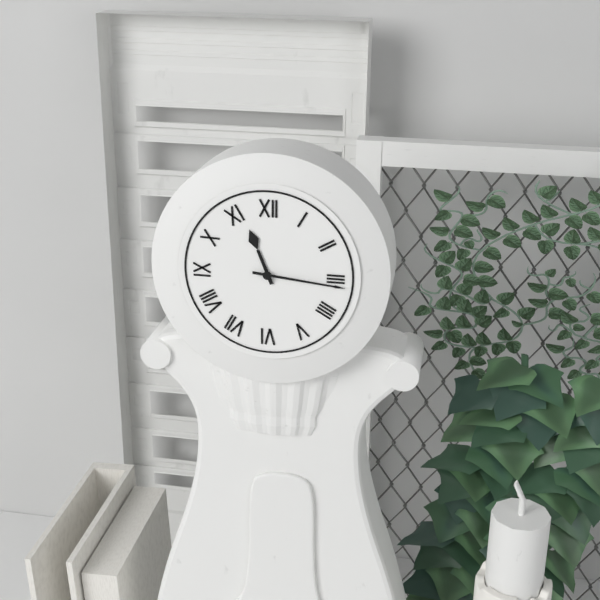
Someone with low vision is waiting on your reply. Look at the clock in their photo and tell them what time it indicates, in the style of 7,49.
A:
11,16
